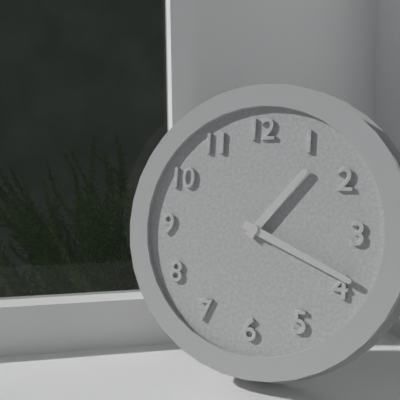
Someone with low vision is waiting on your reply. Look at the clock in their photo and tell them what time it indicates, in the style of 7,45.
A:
1,19
